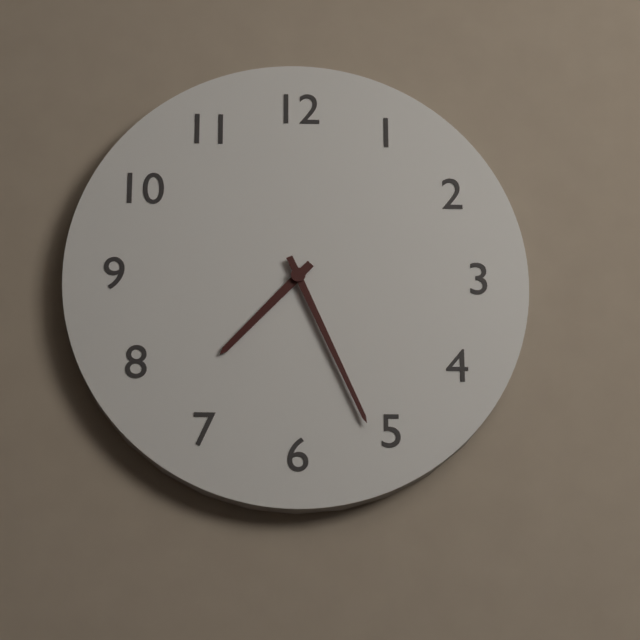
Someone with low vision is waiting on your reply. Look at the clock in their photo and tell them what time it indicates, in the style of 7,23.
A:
7,26
